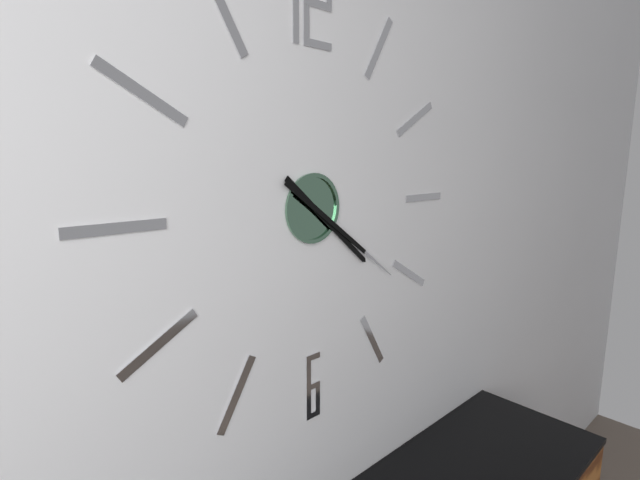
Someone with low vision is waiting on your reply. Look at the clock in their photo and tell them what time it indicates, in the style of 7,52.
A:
4,21
